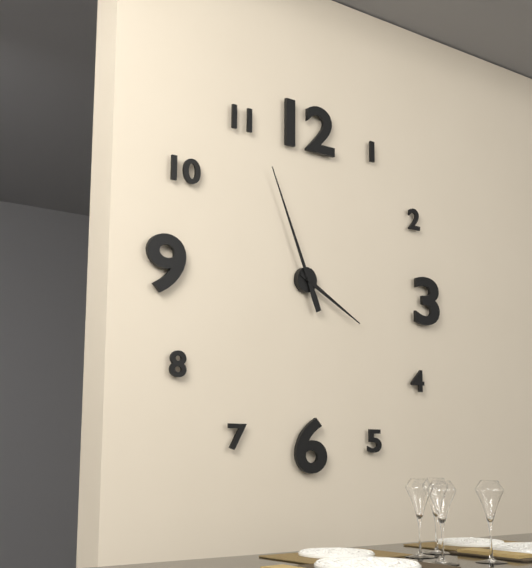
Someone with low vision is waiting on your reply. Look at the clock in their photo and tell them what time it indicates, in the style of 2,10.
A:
3,56
